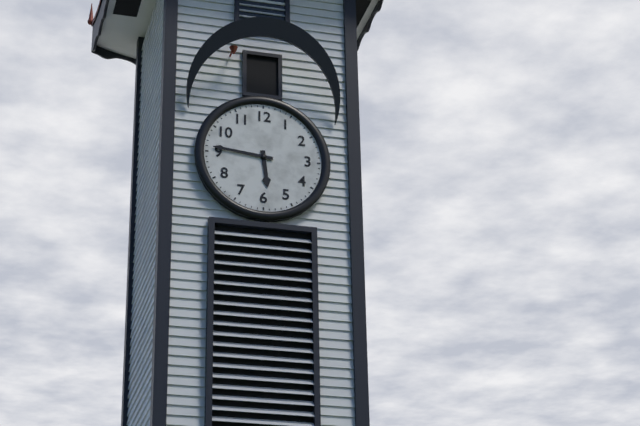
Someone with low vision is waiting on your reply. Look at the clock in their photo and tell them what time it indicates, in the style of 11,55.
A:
5,46
